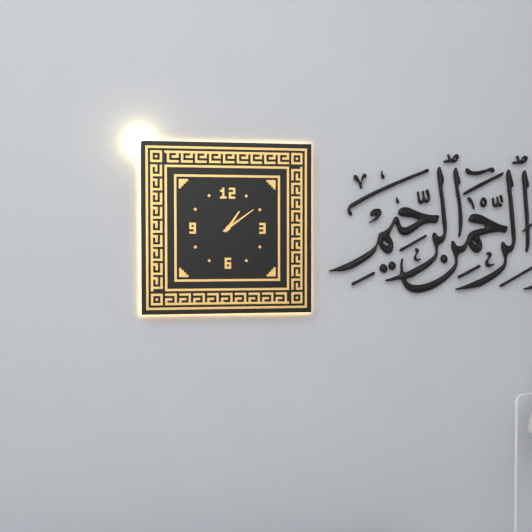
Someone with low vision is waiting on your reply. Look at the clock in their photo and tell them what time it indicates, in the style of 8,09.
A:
1,09
